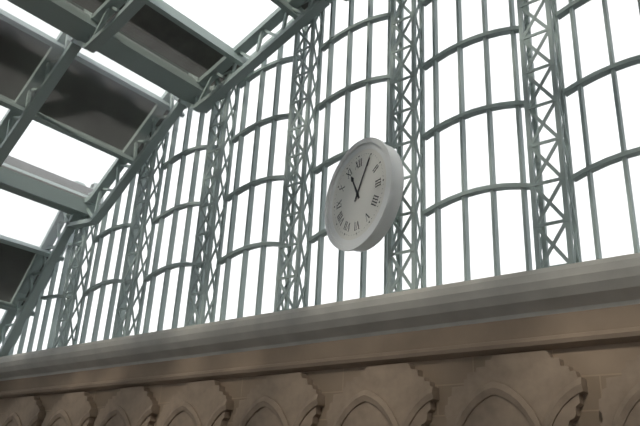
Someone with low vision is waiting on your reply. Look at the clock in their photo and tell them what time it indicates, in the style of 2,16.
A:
11,05
